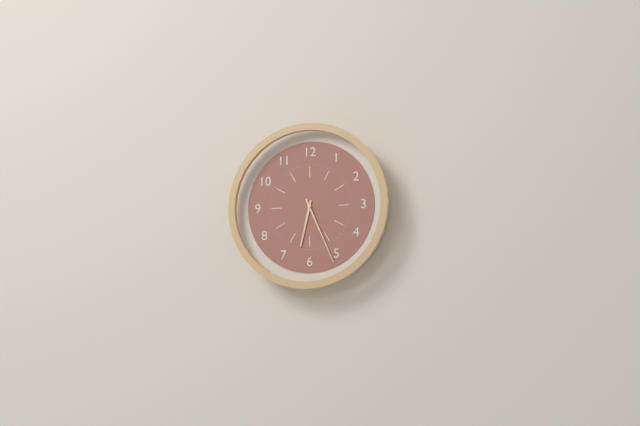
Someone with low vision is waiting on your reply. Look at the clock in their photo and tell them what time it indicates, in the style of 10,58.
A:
6,26
